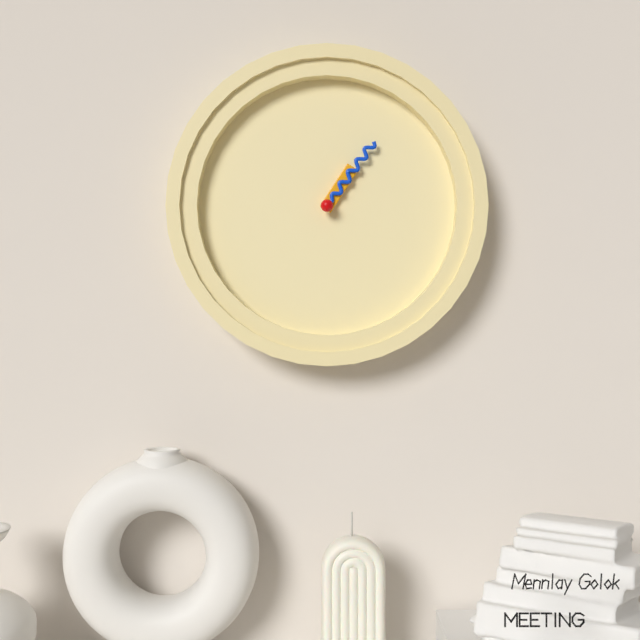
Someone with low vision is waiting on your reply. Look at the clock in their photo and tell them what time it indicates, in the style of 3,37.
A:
1,06
